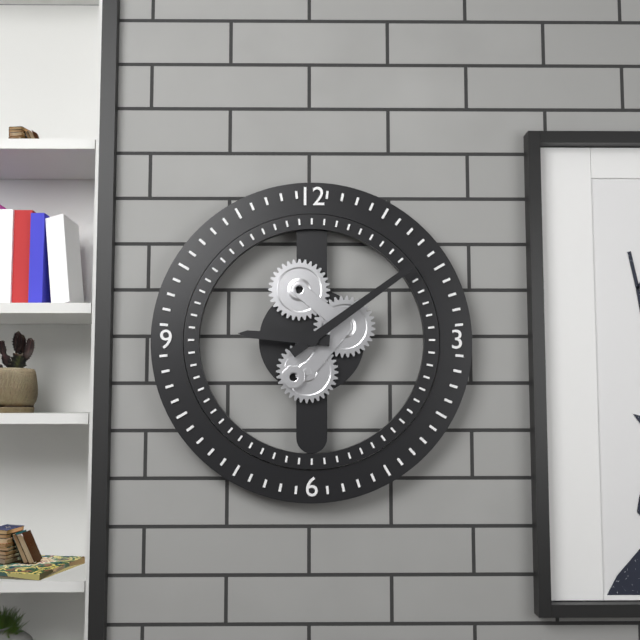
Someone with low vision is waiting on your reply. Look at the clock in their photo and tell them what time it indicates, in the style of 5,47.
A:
9,09
